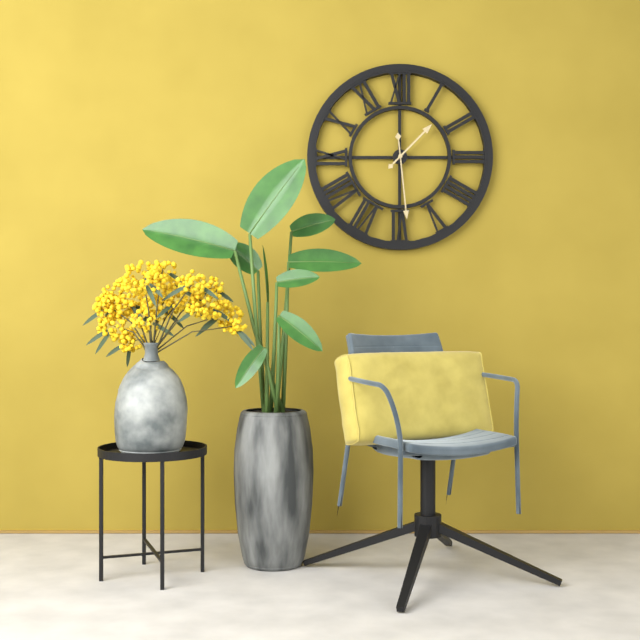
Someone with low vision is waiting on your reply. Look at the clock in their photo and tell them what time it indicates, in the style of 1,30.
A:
1,29
